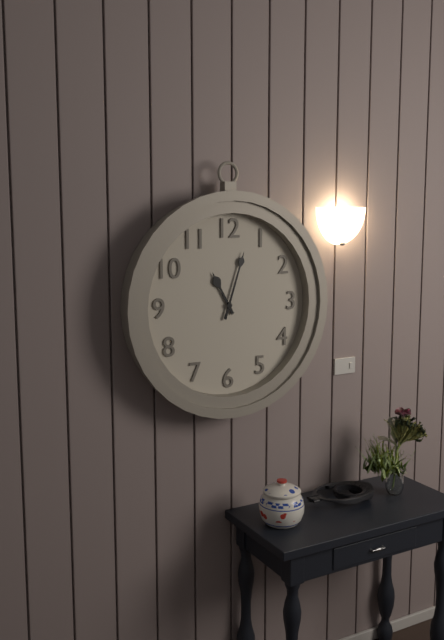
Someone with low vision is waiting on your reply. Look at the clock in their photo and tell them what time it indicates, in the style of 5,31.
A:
11,03
